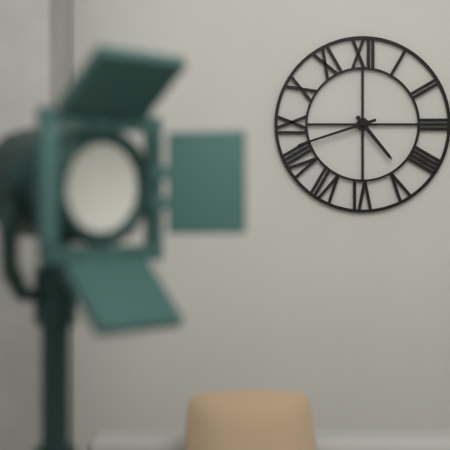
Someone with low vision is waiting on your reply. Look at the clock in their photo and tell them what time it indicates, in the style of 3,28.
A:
4,42
